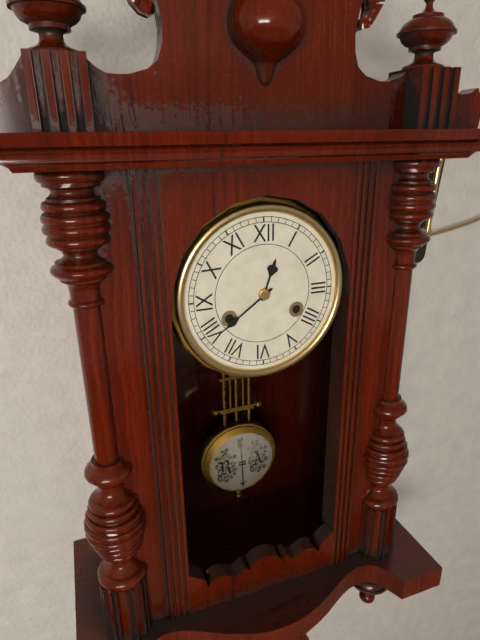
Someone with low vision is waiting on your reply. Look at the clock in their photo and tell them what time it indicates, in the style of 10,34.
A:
12,39
